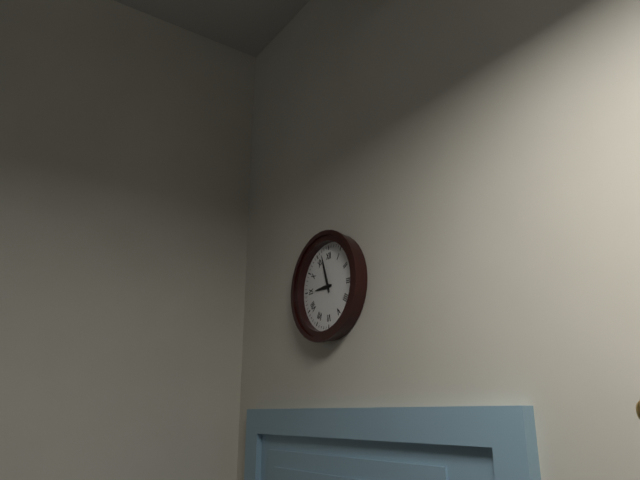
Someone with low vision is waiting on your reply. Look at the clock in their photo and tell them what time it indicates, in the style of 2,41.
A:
8,57
